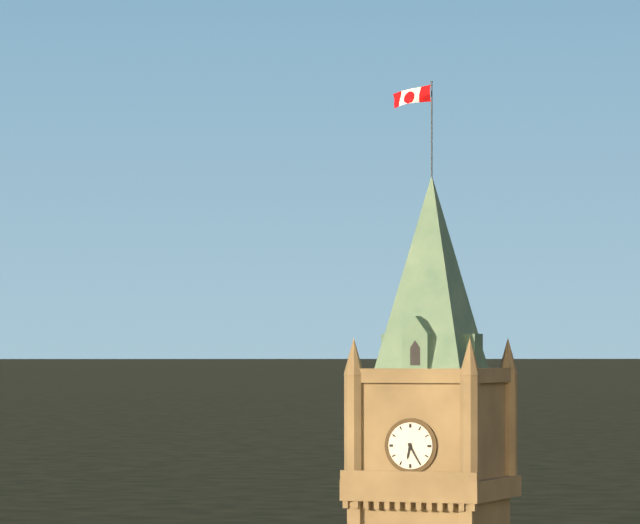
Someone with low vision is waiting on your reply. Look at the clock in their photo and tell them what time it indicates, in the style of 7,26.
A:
6,25
